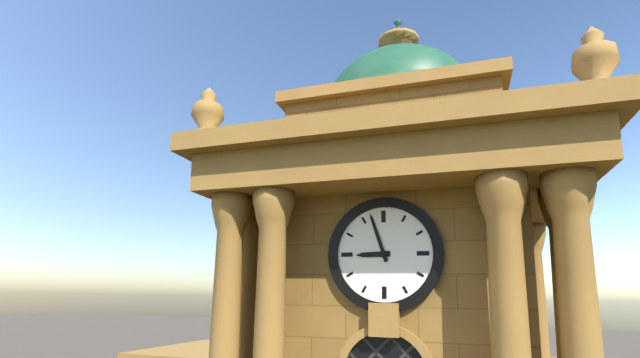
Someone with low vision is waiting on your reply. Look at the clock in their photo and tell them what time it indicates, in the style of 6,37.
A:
8,57
